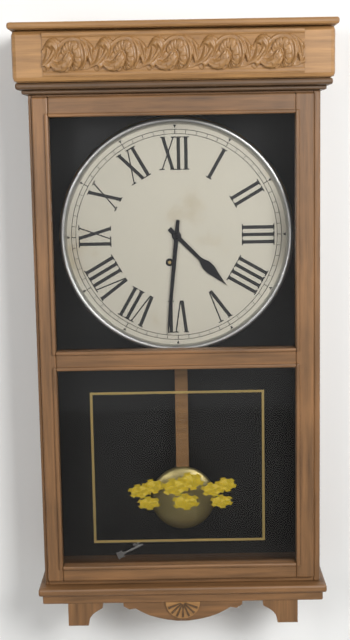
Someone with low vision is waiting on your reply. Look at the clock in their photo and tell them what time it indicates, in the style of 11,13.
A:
4,31
